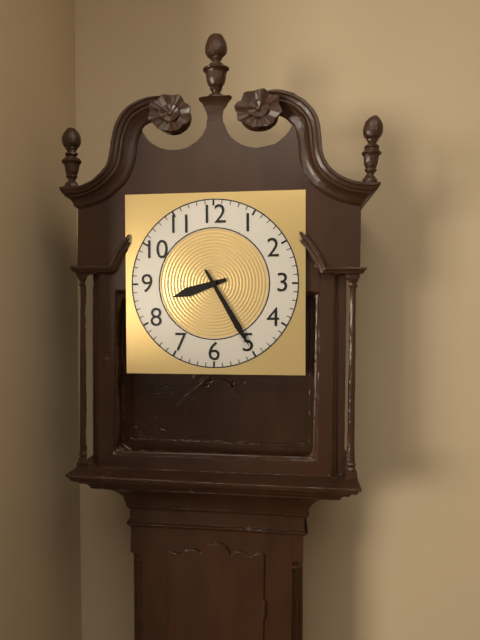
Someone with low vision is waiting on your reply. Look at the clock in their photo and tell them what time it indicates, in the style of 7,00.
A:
8,25
